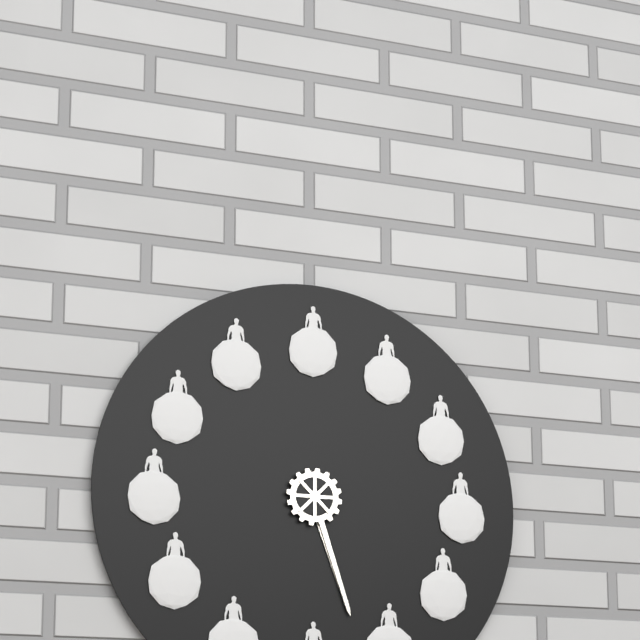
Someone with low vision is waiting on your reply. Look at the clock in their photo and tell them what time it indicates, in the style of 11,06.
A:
5,27
